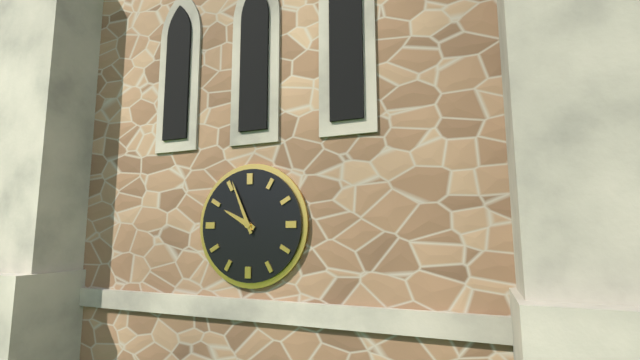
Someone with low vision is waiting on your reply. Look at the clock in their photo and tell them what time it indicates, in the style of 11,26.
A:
9,56
